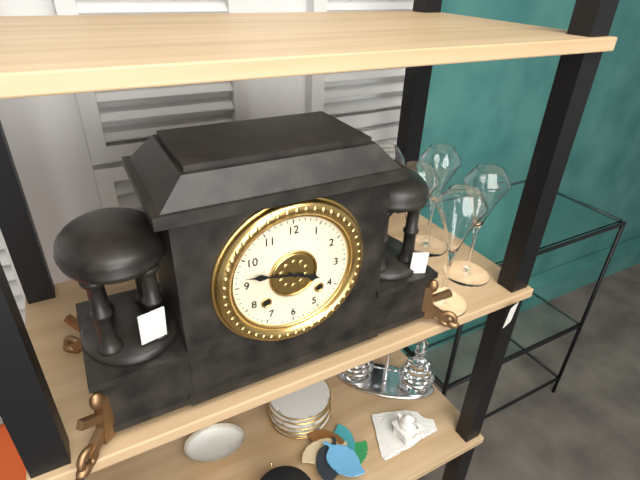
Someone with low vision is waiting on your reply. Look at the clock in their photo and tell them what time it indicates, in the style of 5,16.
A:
3,47
